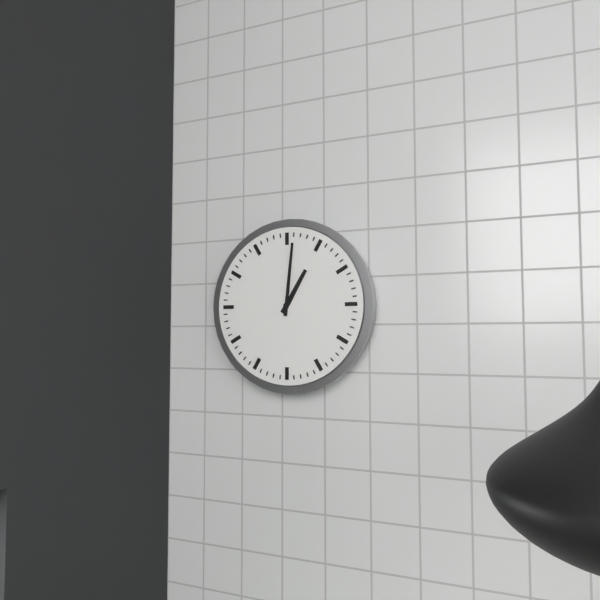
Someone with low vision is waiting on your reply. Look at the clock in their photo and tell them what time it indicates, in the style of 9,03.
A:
1,01
